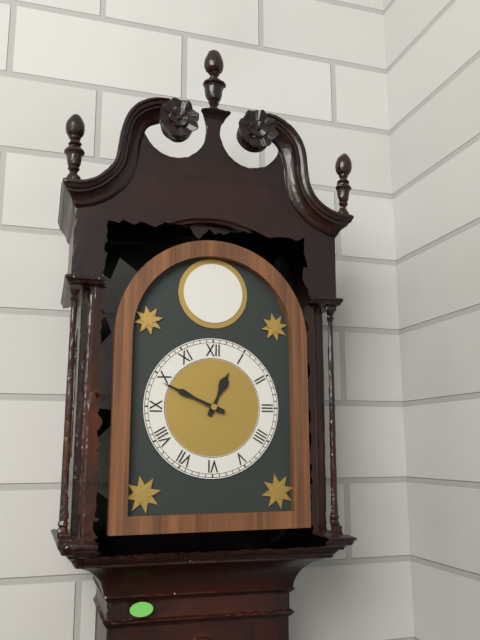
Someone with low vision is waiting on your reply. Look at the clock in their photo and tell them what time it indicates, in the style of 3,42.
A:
12,49
